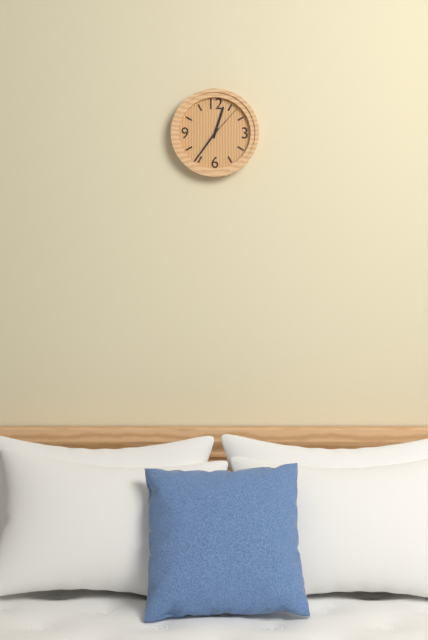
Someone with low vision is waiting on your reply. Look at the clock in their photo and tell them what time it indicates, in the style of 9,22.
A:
12,36
